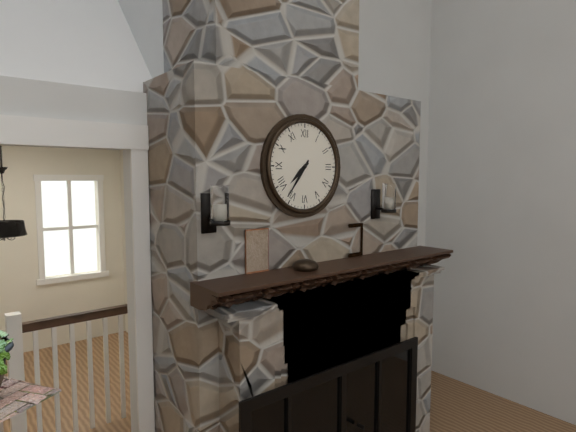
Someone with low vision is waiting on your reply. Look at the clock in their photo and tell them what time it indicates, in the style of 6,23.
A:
7,36
